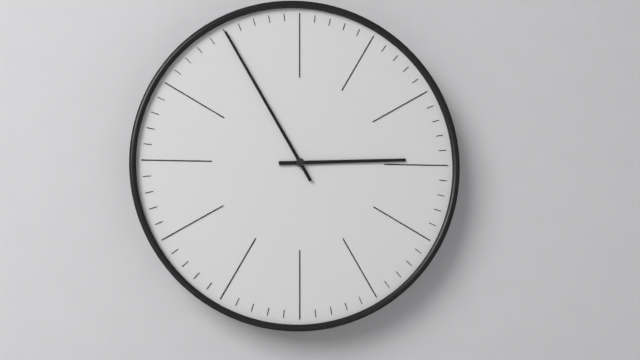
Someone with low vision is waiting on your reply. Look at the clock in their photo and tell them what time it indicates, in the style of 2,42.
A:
2,55
